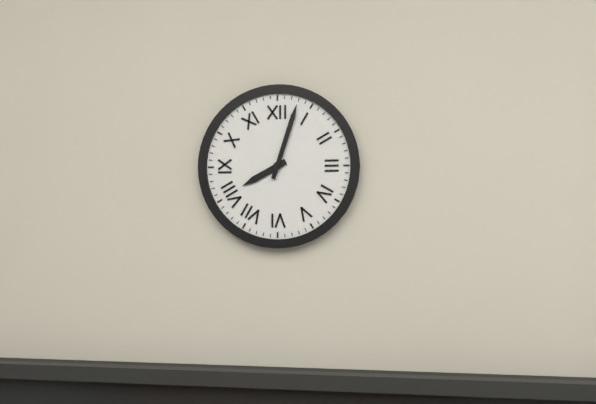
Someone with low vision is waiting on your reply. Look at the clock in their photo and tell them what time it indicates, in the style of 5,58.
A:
8,03
